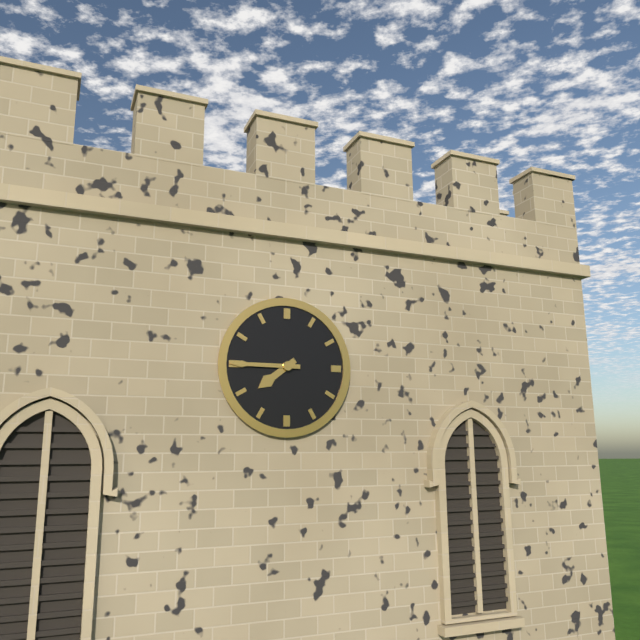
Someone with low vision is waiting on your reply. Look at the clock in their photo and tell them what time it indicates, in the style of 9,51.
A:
7,45
